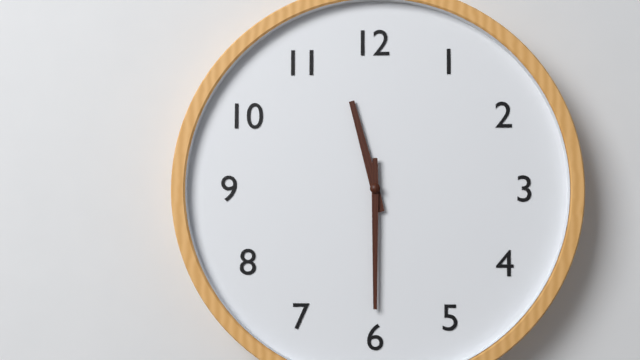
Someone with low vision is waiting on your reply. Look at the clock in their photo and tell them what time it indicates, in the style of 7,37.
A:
11,30
